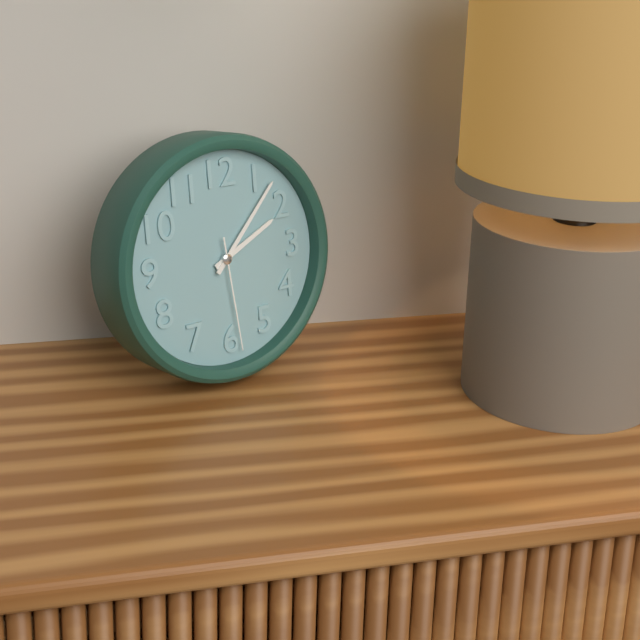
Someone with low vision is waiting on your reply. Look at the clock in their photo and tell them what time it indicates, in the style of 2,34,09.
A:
2,07,29
